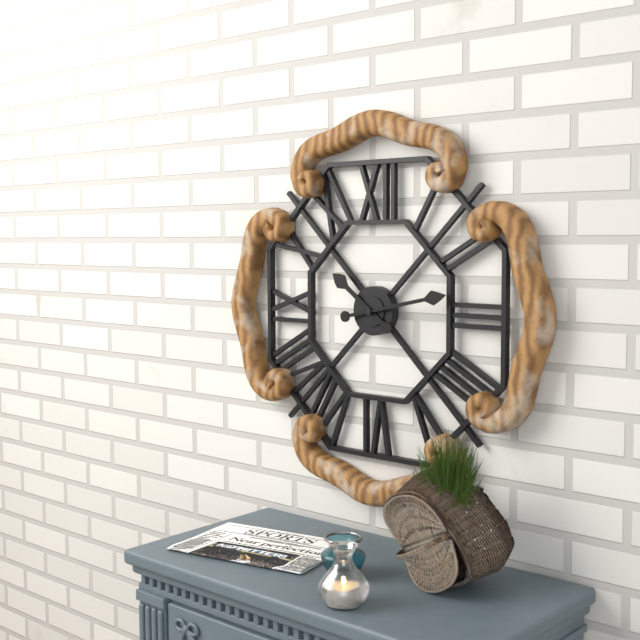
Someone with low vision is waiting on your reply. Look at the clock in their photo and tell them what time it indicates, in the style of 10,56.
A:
10,13
